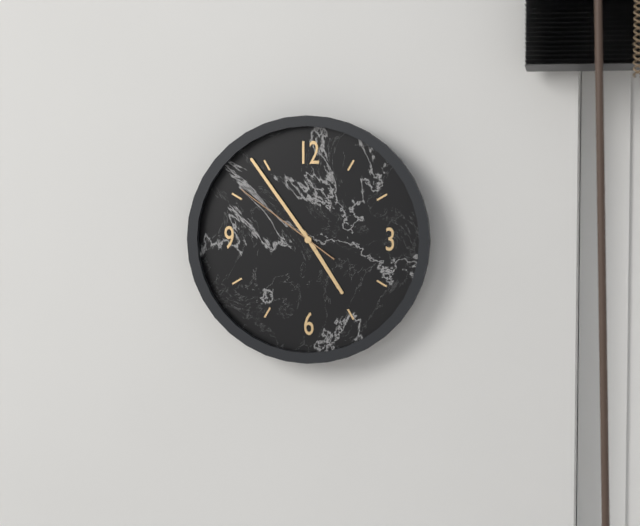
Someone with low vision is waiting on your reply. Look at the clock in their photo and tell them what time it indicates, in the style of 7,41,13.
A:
4,54,51
